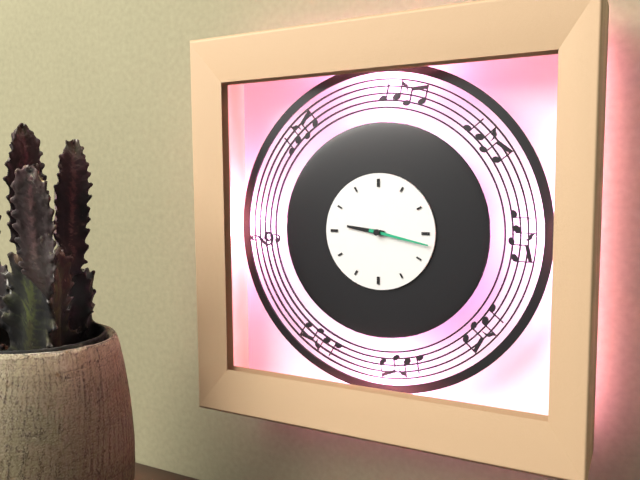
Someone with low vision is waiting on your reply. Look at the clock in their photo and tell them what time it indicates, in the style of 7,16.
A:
9,17
